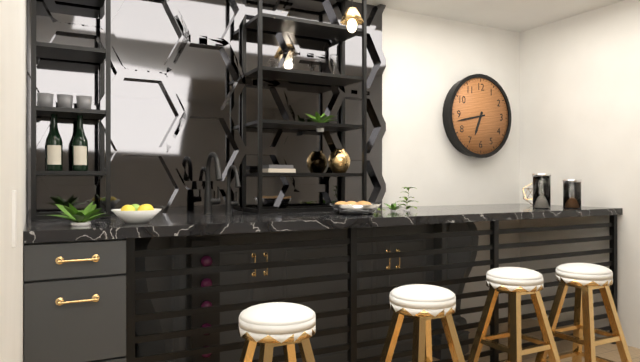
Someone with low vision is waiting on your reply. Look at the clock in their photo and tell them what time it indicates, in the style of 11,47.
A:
6,43
